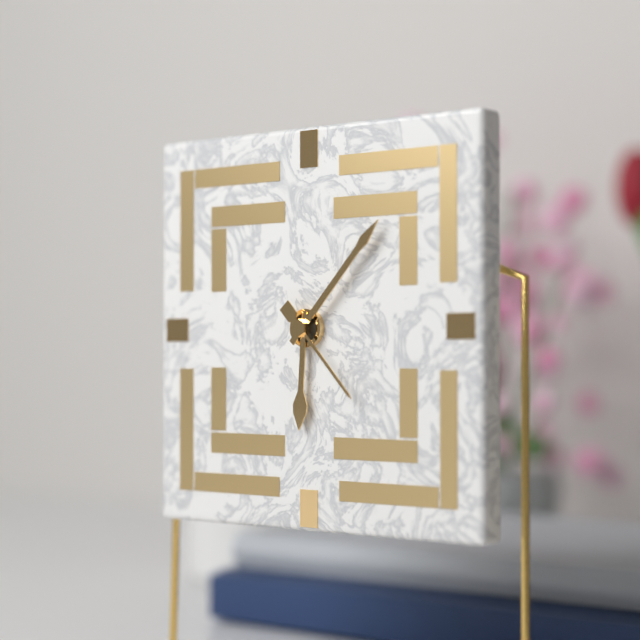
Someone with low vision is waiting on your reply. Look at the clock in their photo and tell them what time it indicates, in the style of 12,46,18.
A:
6,07,23
